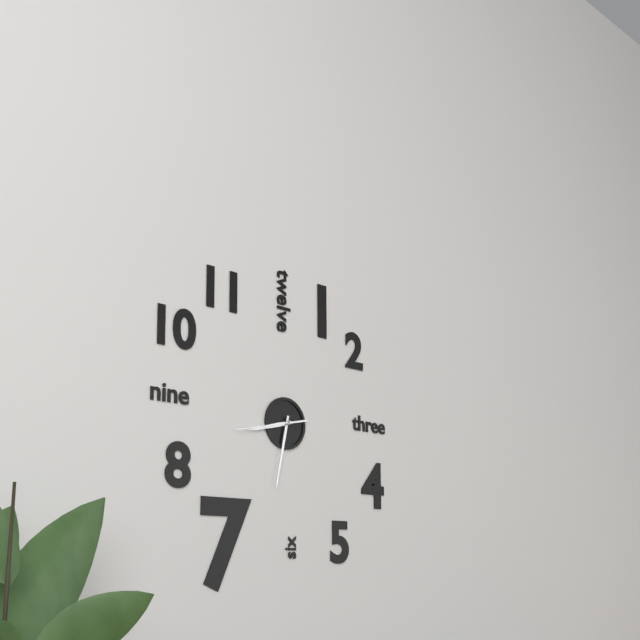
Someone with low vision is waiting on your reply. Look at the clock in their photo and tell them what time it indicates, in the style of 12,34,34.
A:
8,32,43
